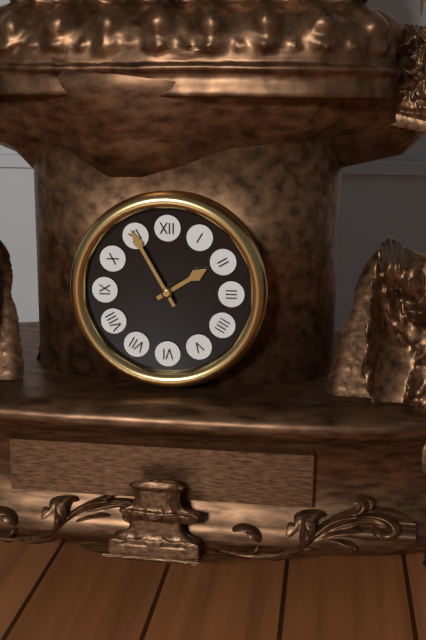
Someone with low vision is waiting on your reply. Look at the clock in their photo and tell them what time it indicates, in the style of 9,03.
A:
1,55
